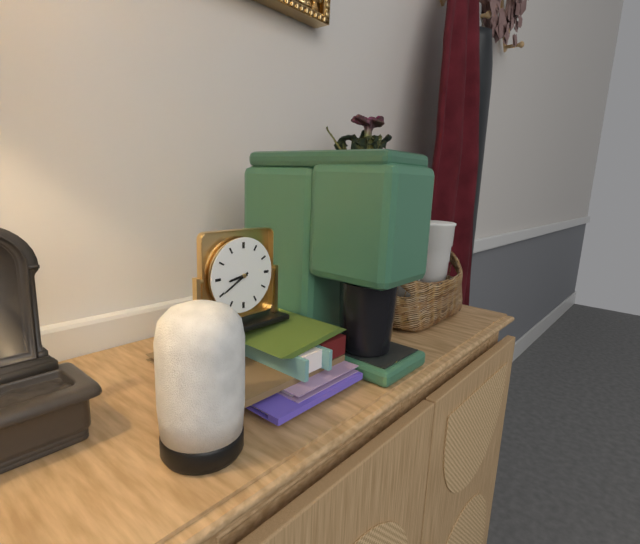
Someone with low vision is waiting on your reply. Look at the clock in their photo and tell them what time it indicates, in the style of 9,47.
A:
8,40
